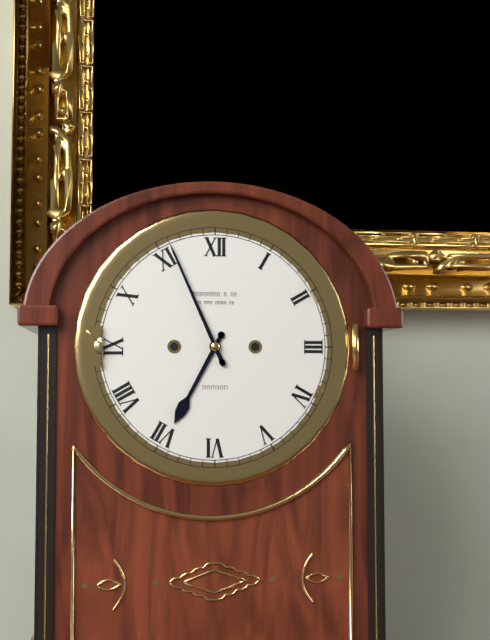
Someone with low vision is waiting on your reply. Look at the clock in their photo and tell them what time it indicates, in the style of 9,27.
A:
6,56
